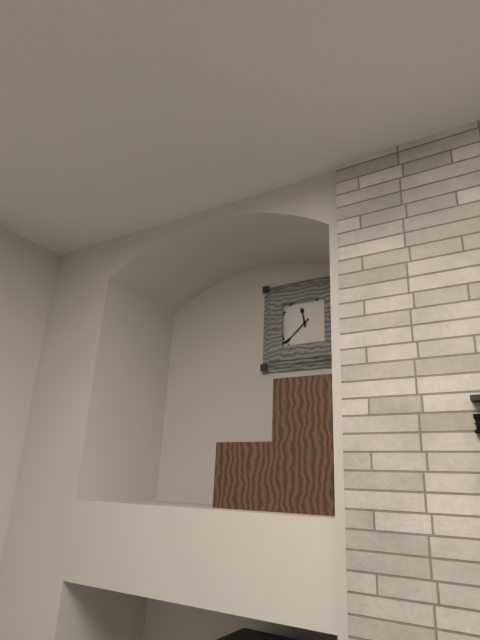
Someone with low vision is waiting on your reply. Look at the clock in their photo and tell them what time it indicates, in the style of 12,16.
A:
11,38
